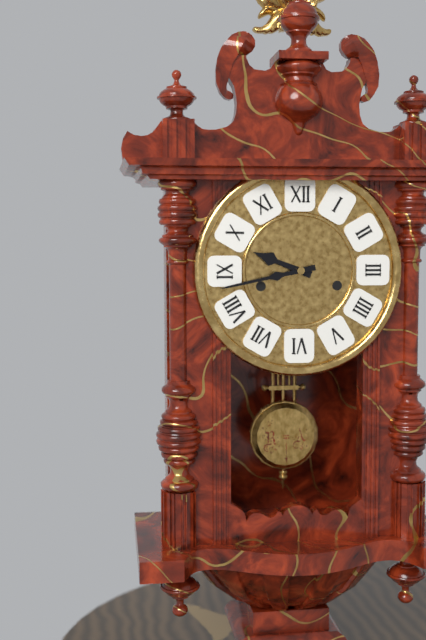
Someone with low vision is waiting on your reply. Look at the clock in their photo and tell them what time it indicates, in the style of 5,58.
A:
9,43
